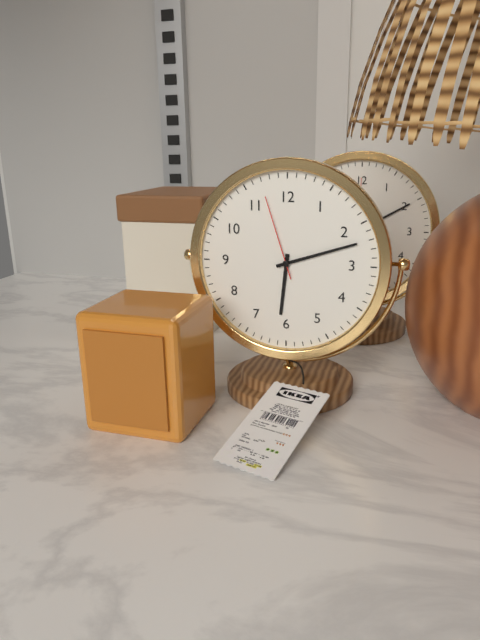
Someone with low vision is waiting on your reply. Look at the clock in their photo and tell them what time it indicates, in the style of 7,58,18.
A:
6,12,57
